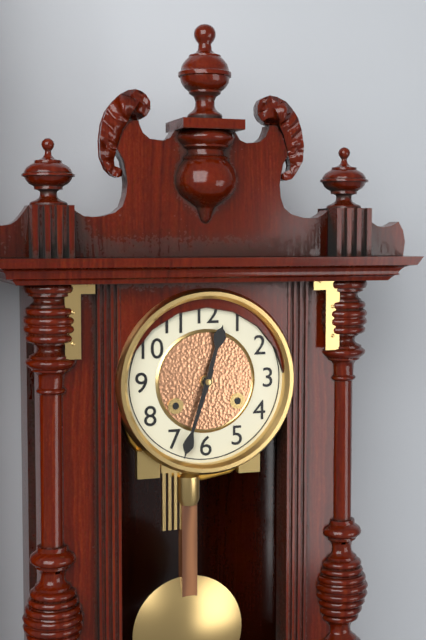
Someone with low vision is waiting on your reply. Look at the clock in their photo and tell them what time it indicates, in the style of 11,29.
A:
12,33
